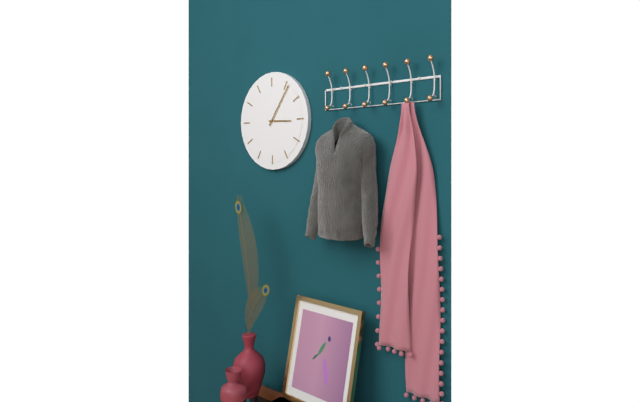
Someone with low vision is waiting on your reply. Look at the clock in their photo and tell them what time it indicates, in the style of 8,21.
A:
3,06
